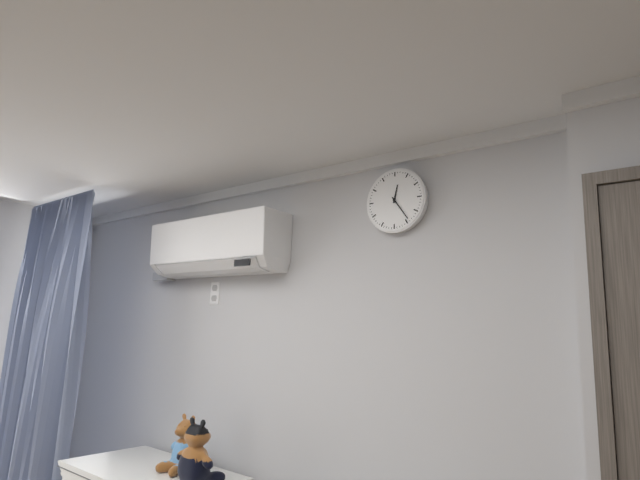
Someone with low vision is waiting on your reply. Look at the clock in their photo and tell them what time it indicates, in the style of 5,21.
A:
12,24
